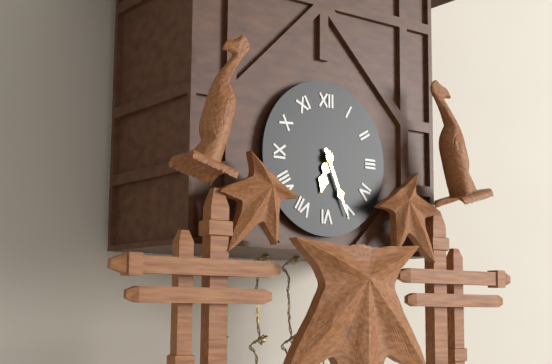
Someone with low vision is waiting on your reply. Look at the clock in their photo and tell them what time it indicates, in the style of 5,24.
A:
6,26
